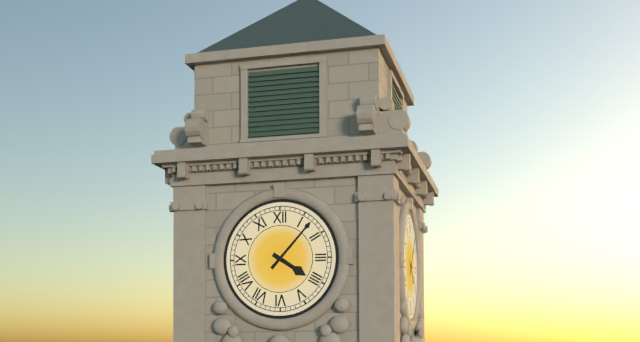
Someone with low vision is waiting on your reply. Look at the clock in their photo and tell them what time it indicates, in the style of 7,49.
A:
4,07
